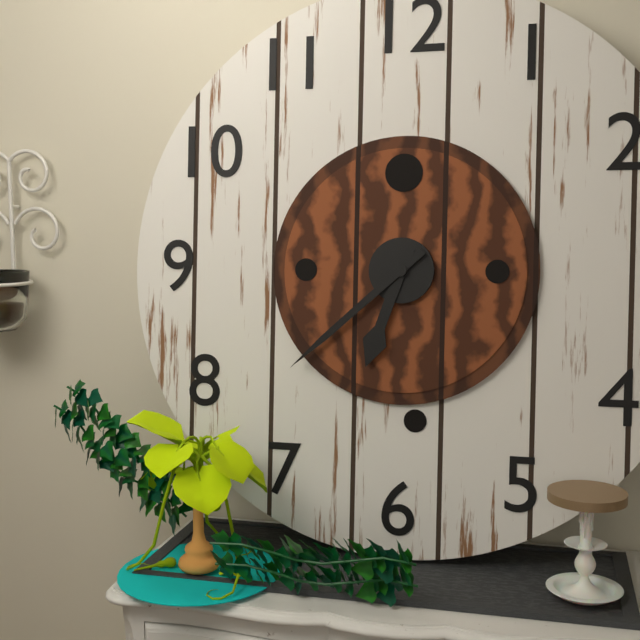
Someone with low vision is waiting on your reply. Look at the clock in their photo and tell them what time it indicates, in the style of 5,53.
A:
6,38
